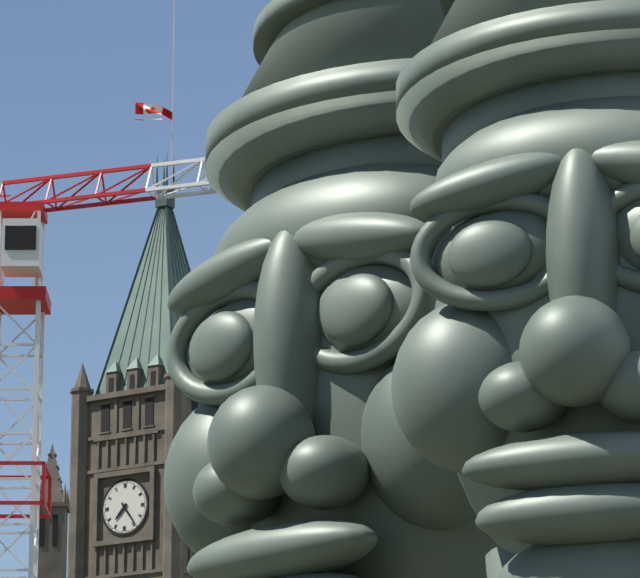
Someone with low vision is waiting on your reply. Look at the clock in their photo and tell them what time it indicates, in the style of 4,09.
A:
7,24
